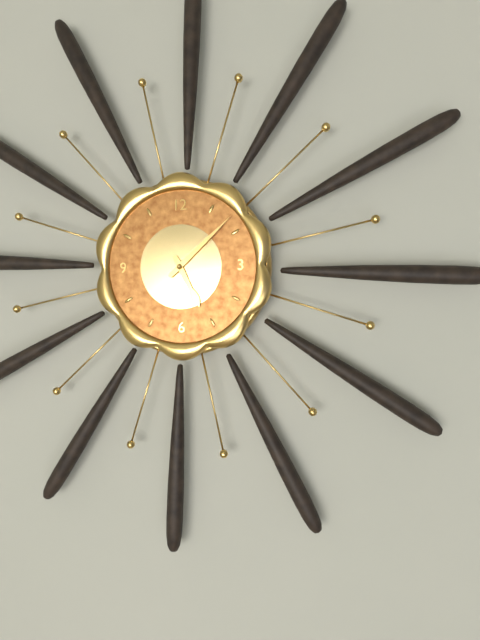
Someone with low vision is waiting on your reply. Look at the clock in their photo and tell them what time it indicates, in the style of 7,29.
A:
5,08
